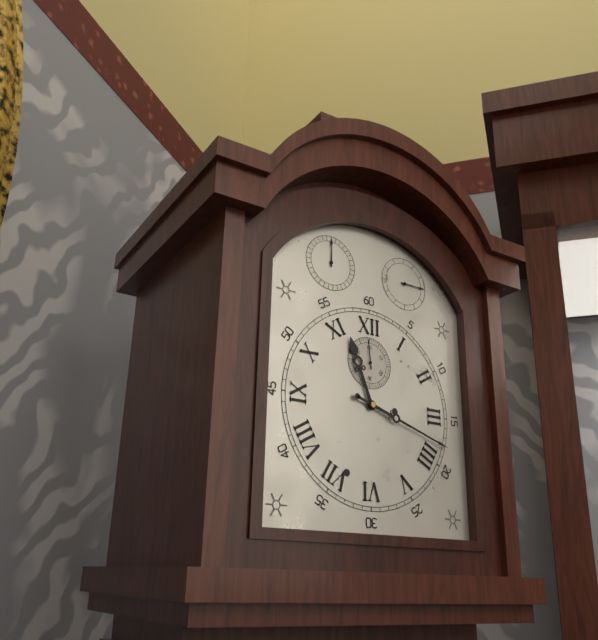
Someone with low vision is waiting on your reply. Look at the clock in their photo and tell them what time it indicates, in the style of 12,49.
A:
11,18
